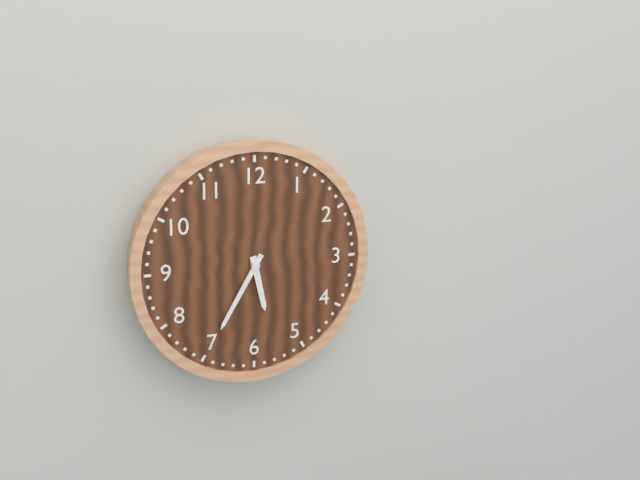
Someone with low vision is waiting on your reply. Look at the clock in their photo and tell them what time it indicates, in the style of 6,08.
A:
5,35
